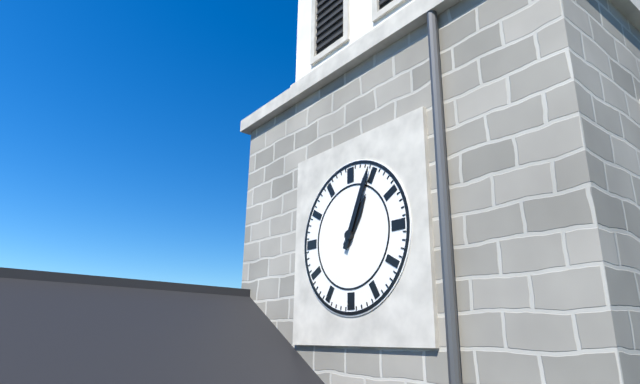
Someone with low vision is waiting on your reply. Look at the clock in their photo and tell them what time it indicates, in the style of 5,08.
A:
1,04
